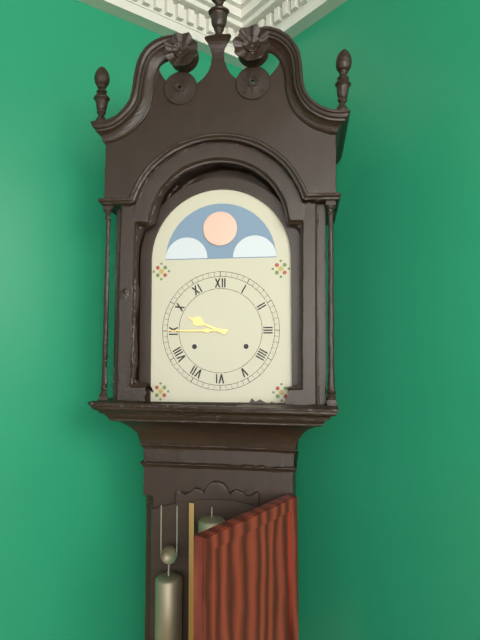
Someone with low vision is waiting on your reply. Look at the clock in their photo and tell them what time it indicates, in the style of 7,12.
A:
9,45
